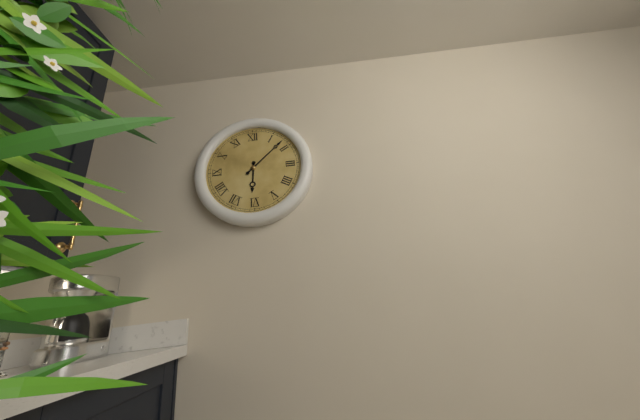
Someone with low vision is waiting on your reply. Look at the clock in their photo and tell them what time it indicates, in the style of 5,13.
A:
6,08
